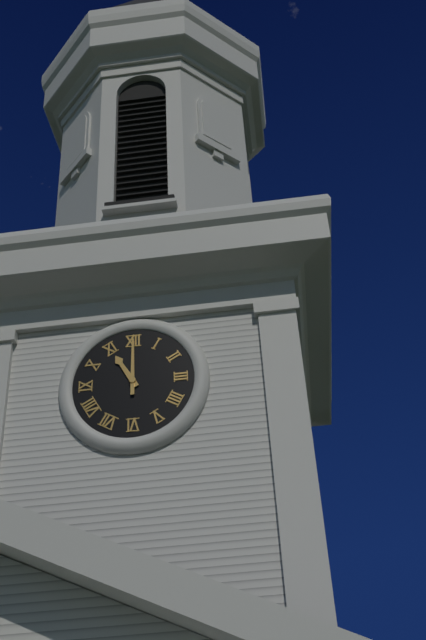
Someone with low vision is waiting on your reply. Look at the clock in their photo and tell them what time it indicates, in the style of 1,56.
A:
11,00
